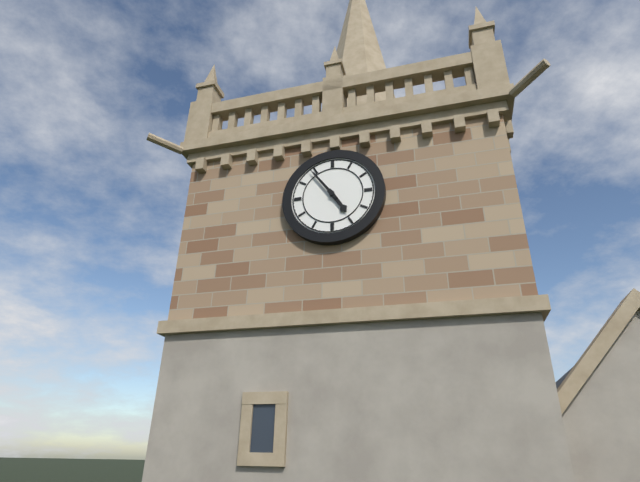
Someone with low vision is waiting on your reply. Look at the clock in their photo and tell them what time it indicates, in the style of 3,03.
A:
4,54
